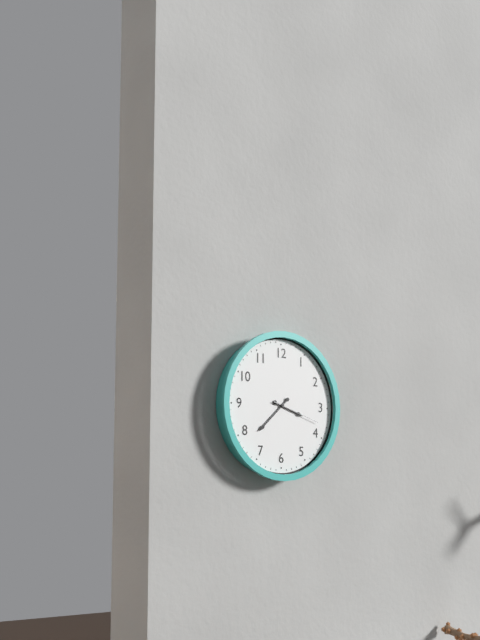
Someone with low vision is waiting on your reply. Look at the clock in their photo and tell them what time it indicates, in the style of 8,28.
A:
3,38
